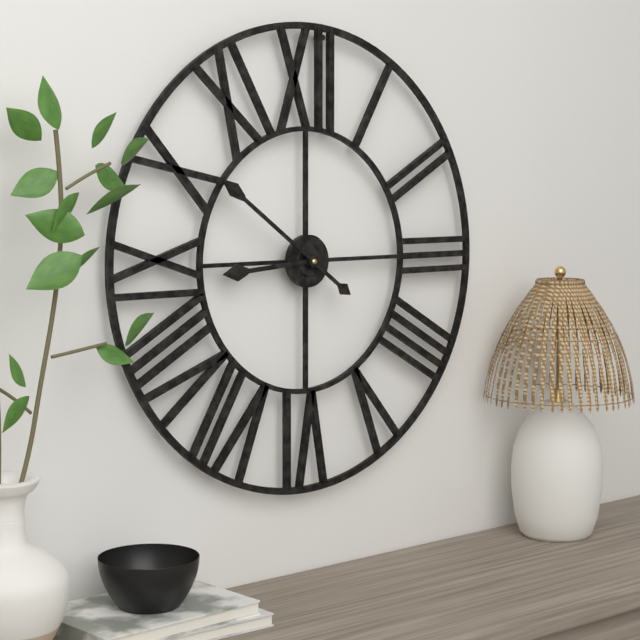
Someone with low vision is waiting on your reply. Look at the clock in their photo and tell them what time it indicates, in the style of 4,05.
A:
8,51
